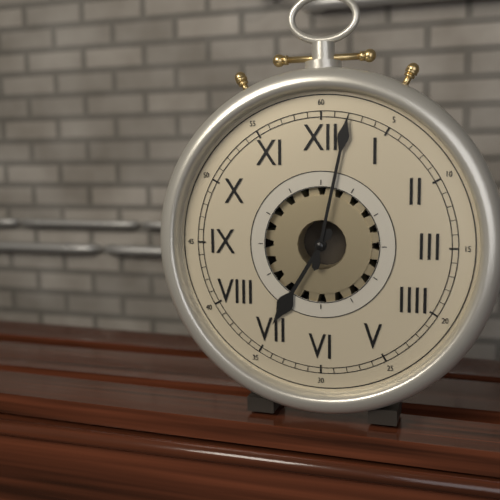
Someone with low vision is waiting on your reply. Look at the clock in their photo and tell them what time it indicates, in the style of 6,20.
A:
7,02
